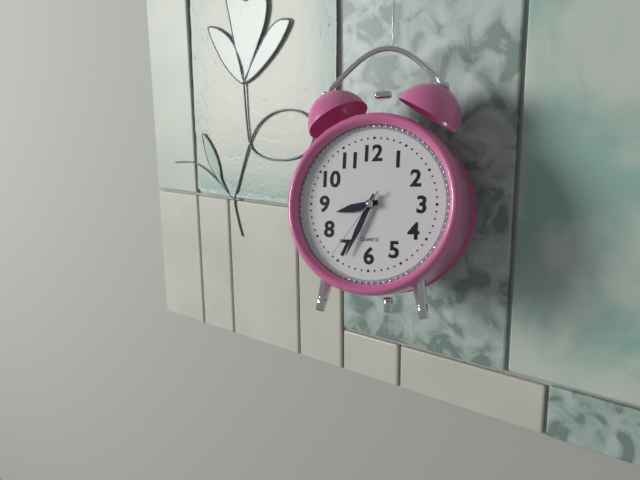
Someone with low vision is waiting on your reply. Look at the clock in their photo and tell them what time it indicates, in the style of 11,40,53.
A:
8,34,36
